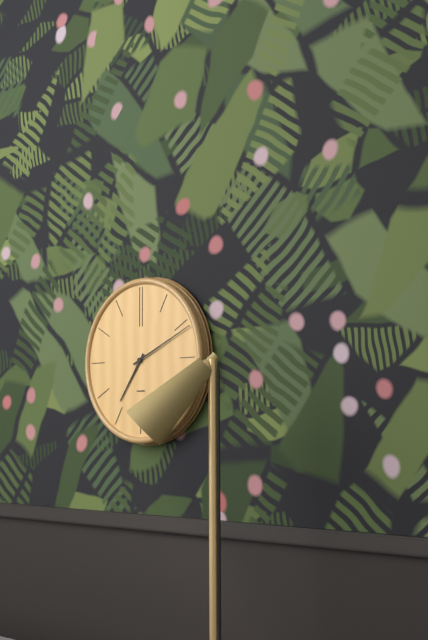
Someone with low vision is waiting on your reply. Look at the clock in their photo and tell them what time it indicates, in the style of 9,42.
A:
7,11
